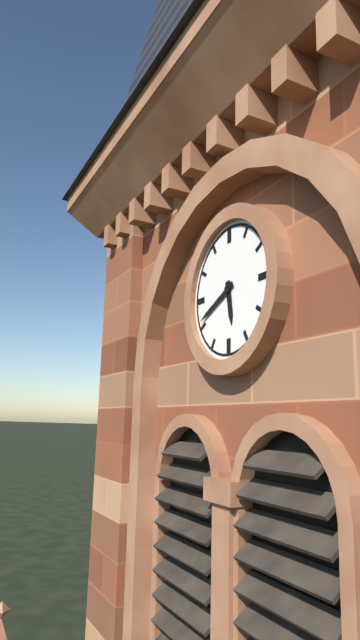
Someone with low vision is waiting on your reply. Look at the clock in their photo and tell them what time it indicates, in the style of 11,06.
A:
5,41
